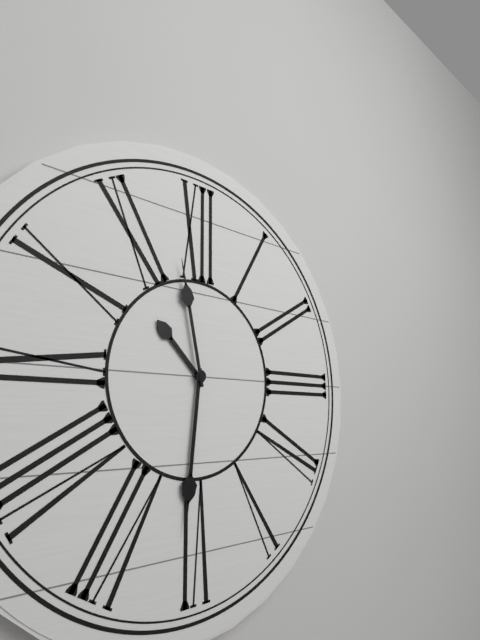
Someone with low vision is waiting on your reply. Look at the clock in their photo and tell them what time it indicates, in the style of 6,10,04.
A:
10,31,58
